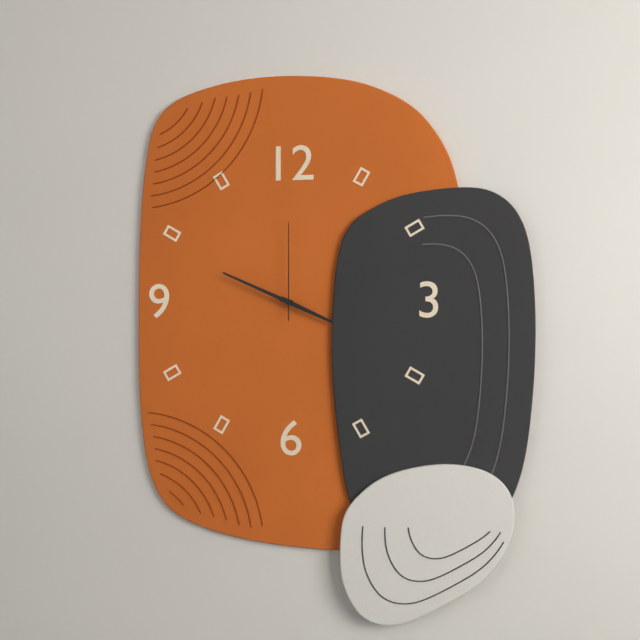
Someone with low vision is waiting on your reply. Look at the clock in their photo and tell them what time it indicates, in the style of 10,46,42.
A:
3,49,00
